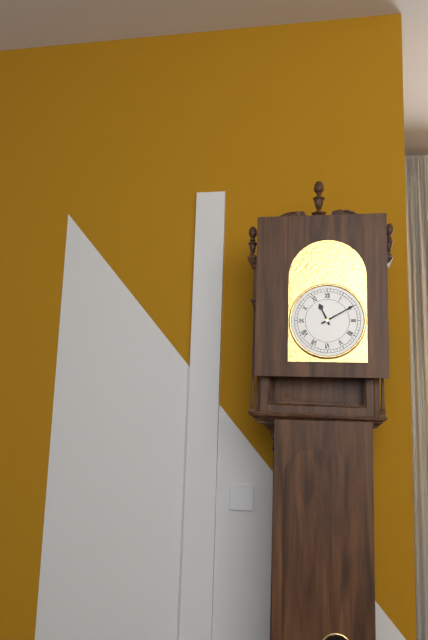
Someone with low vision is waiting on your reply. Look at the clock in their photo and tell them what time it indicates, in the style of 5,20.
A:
11,10
